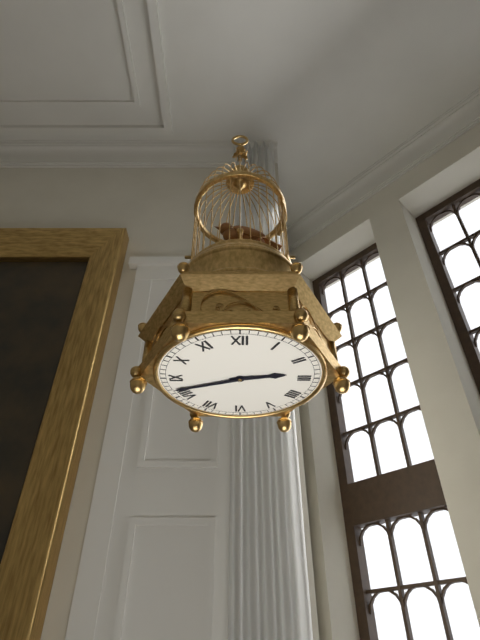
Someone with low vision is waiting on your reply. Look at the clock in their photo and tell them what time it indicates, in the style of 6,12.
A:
2,42
